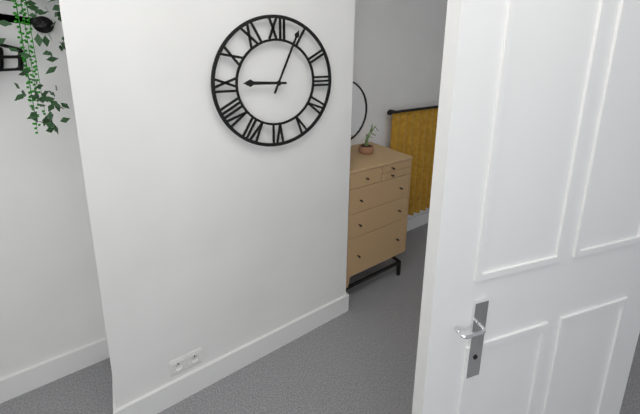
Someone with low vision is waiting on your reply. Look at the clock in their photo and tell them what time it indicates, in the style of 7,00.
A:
9,04
